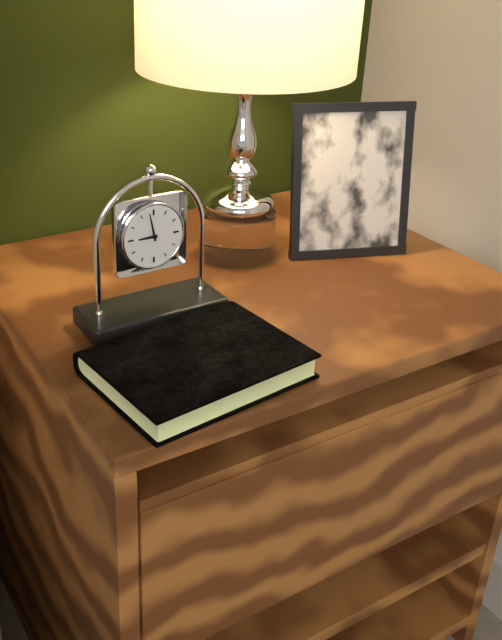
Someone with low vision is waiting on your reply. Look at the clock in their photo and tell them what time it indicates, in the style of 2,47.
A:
8,58
